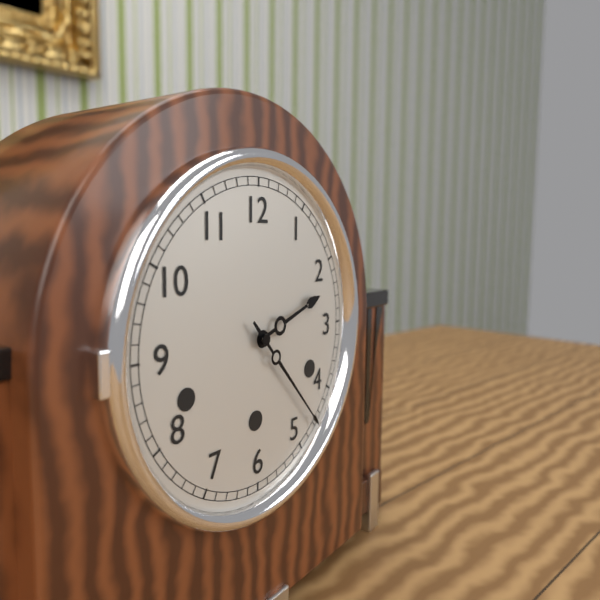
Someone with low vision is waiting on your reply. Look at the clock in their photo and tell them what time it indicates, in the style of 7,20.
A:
2,23
